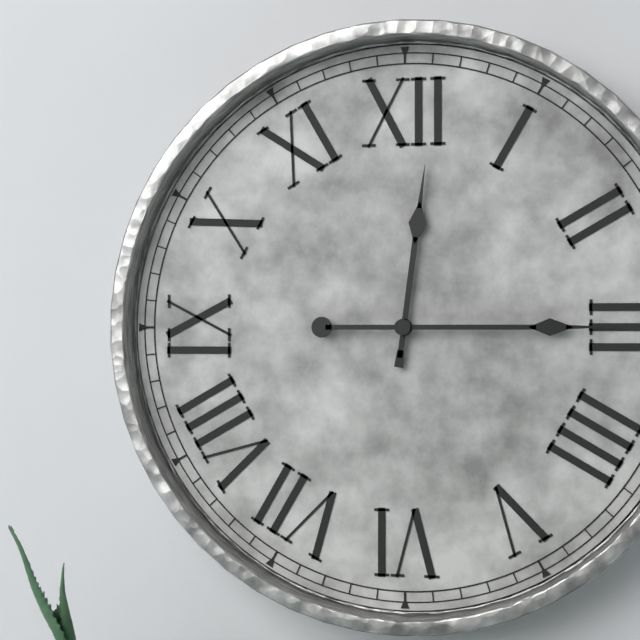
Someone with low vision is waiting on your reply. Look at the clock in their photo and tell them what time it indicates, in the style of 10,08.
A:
12,15
